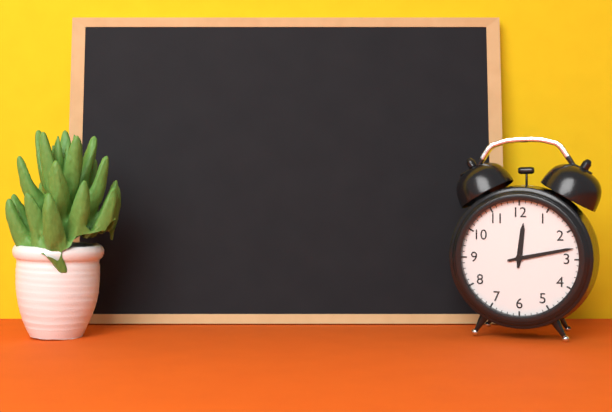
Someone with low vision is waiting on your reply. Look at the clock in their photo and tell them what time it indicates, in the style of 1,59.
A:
12,13
